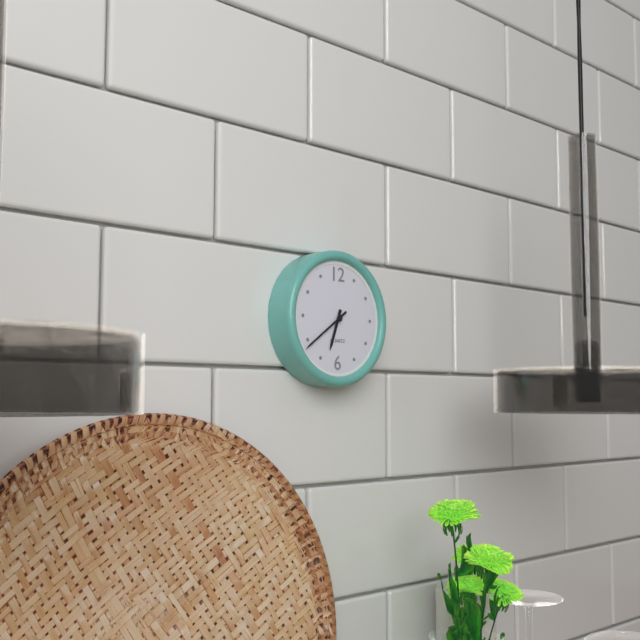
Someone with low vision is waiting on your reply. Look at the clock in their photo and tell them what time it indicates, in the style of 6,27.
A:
6,39
